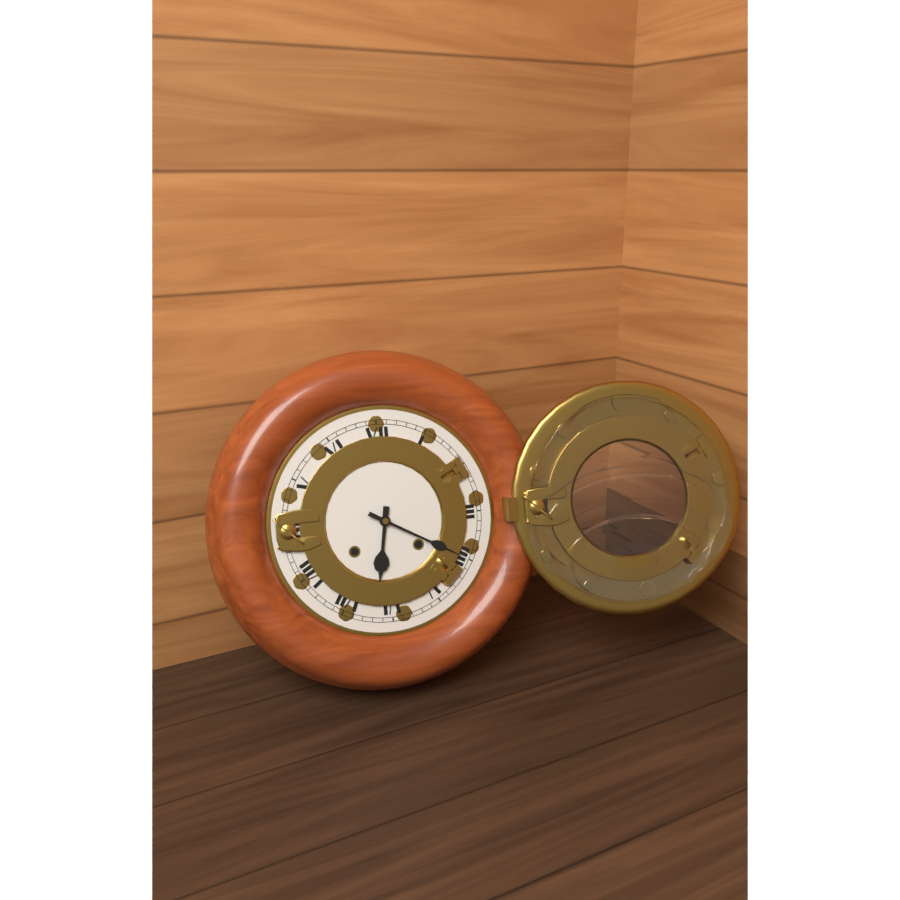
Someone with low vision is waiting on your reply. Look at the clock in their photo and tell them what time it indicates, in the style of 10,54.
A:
6,20
